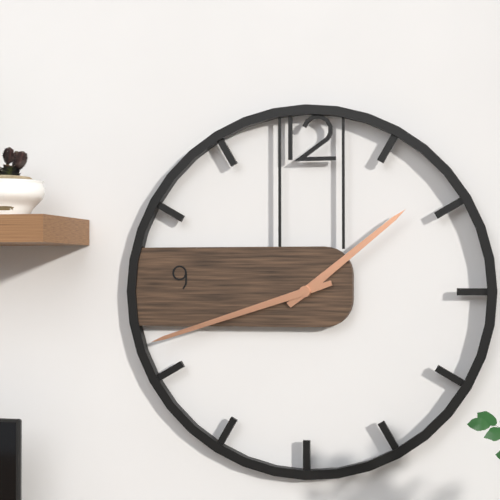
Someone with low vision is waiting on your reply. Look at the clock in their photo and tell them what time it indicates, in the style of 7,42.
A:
1,42
